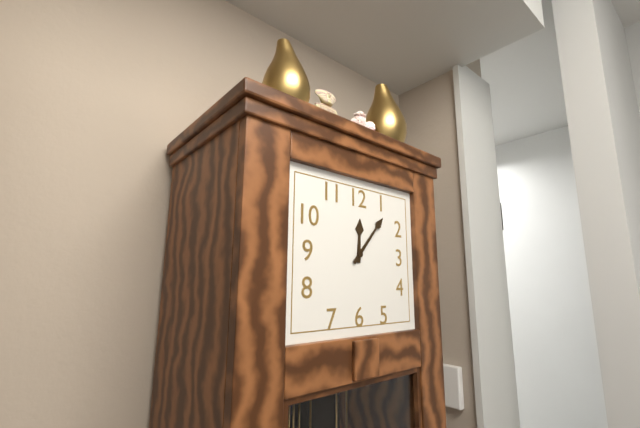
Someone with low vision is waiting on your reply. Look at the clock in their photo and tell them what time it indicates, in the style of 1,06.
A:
12,07
